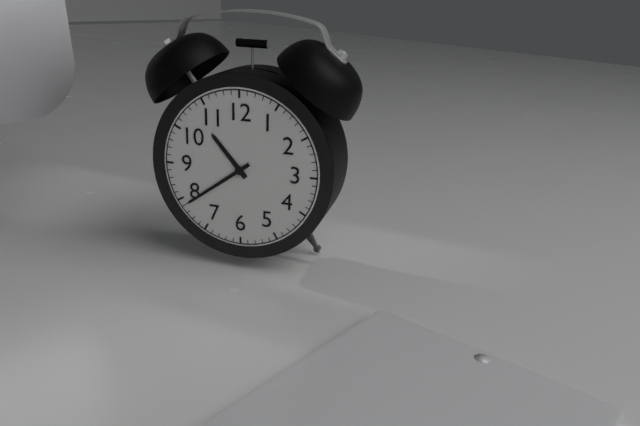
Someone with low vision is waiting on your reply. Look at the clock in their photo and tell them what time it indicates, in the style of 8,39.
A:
10,39
